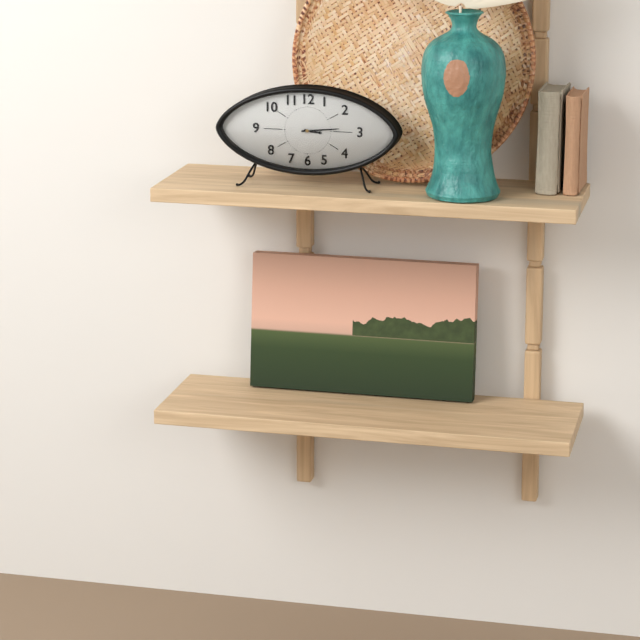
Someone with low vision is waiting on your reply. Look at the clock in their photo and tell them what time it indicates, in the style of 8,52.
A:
3,14
